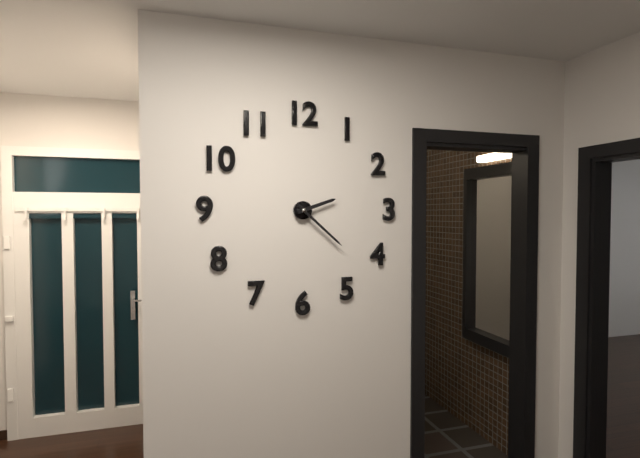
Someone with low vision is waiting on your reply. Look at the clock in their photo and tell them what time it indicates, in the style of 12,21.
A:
2,22
